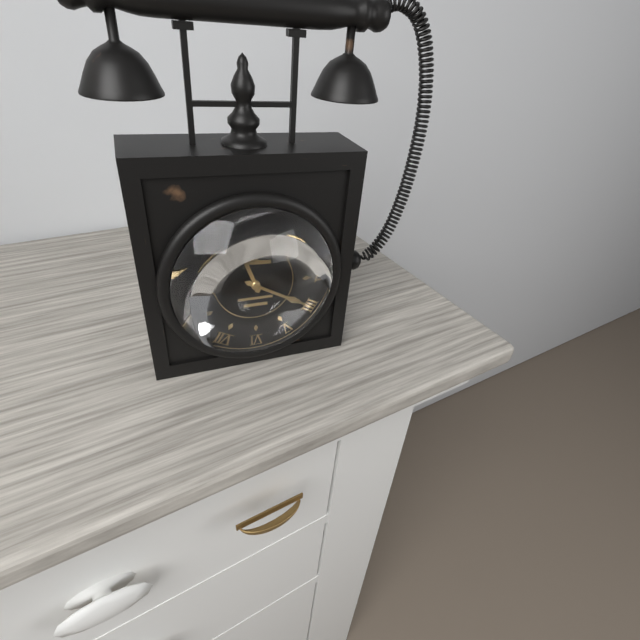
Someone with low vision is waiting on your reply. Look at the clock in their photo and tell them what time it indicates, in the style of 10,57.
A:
11,20
